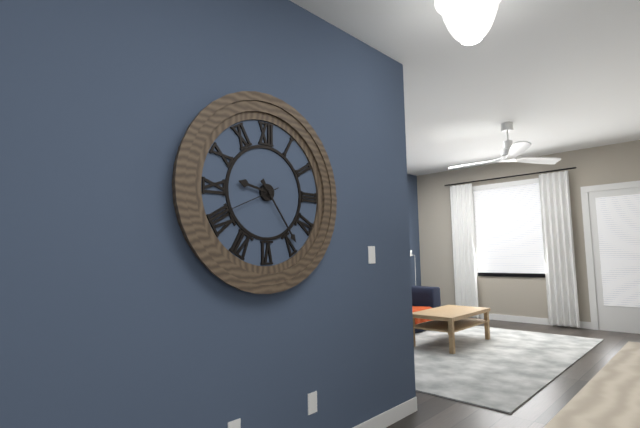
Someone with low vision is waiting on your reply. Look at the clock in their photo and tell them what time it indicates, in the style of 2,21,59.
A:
9,24,41
